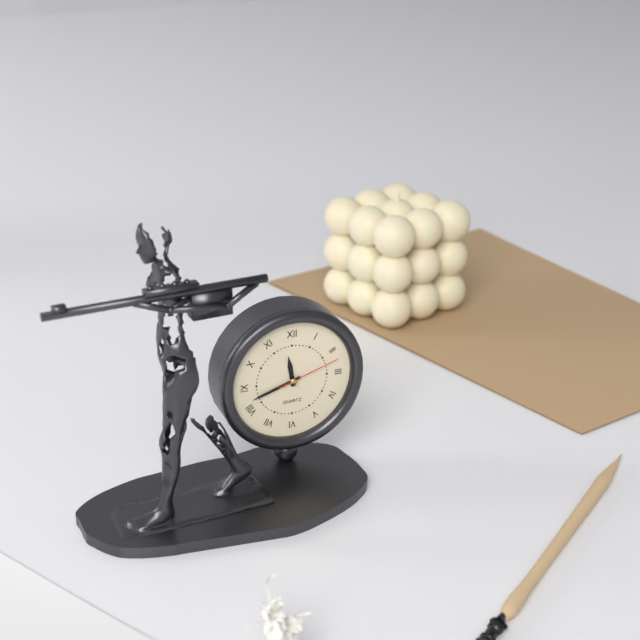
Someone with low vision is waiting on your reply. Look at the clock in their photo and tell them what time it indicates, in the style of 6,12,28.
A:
11,42,12
